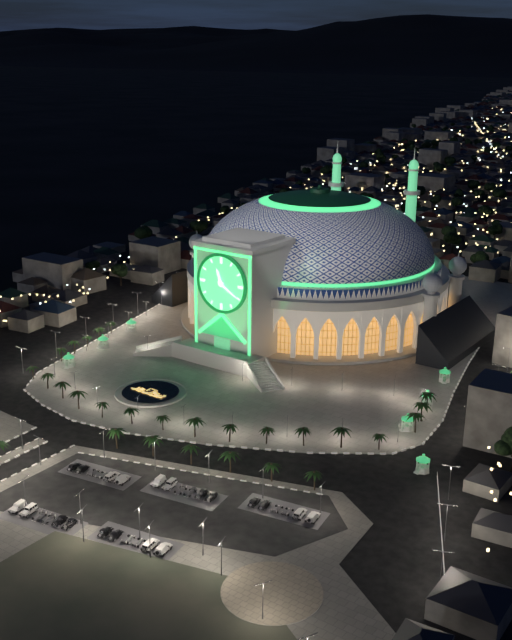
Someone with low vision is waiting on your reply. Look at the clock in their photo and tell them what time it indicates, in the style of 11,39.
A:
11,20
